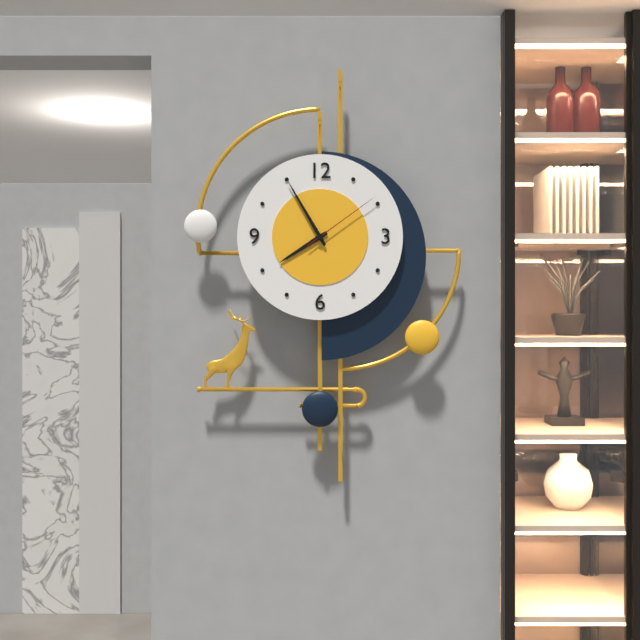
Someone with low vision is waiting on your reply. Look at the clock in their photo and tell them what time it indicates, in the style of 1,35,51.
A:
7,55,09
